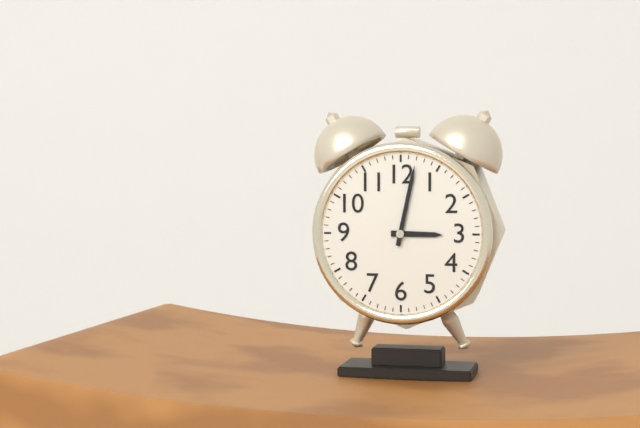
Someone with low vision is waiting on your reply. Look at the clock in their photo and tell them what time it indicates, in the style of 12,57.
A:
3,02
